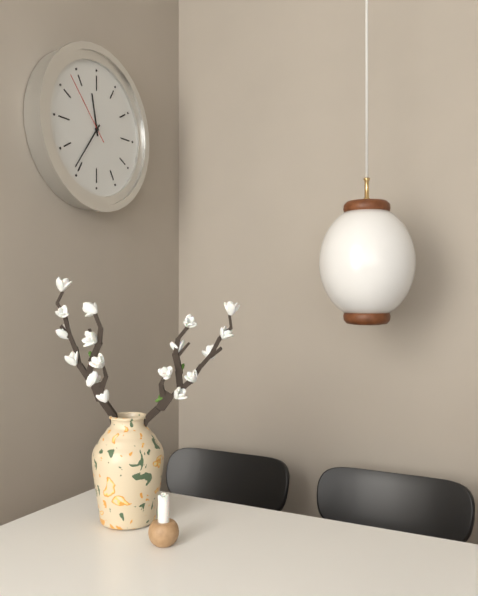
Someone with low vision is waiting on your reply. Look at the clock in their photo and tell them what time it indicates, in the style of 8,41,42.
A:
11,36,53
